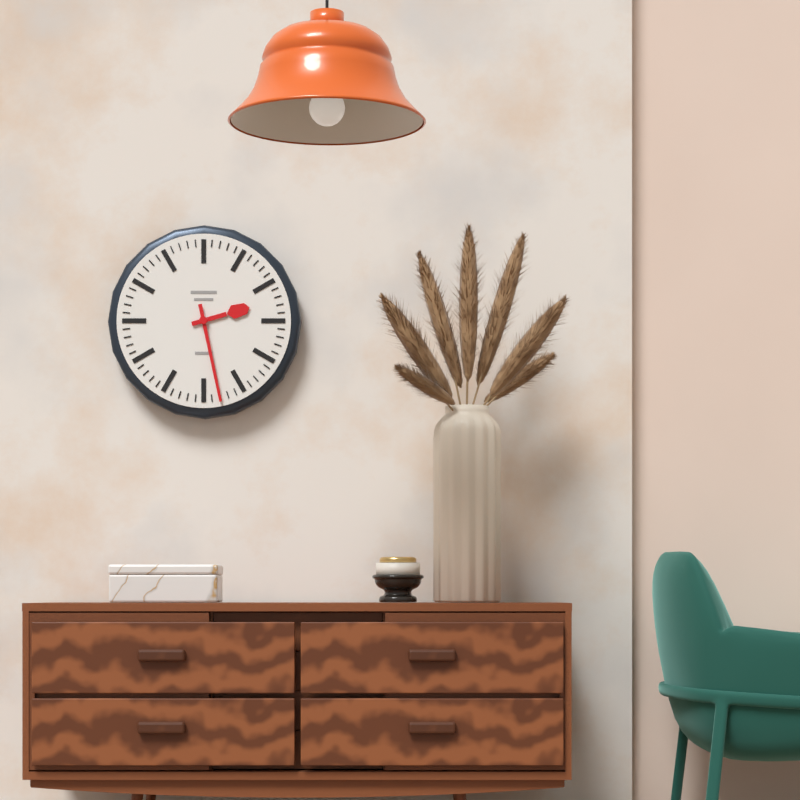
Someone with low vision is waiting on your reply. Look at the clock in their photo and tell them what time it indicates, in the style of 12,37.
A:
2,28
